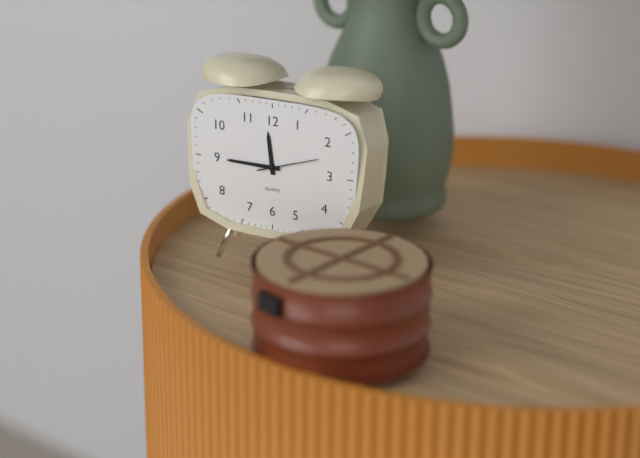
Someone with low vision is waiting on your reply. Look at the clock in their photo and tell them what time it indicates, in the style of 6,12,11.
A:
11,45,12
